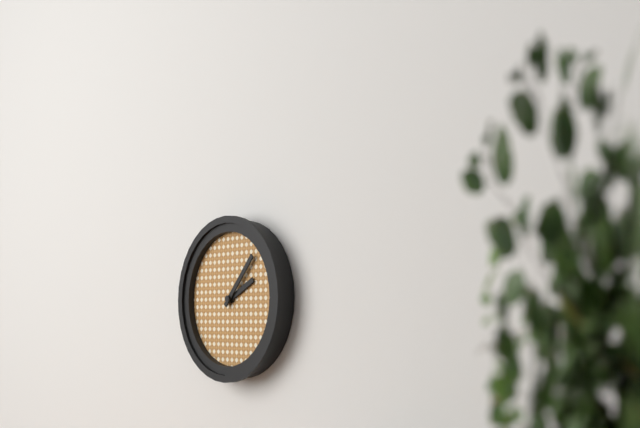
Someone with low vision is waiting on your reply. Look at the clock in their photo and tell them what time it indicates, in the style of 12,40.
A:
2,07
